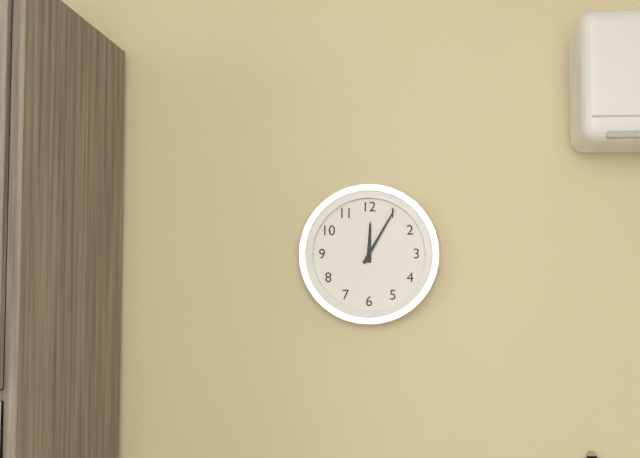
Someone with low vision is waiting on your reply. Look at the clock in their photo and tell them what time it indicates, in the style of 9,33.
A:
12,05
